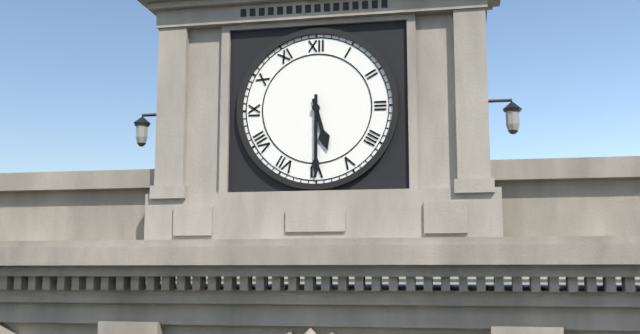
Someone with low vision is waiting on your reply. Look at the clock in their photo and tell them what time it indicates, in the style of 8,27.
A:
5,30
